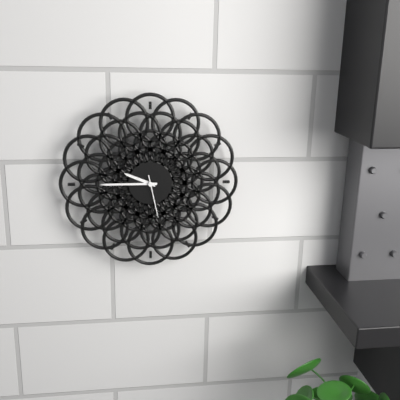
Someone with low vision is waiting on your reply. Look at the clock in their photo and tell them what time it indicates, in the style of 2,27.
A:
9,45
